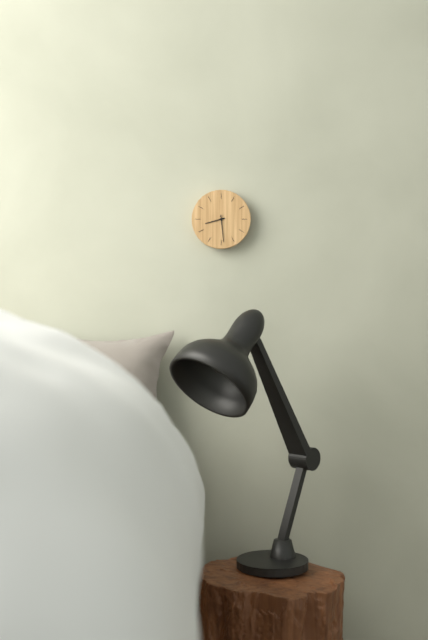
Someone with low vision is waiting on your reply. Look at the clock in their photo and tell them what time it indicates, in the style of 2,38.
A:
8,29
